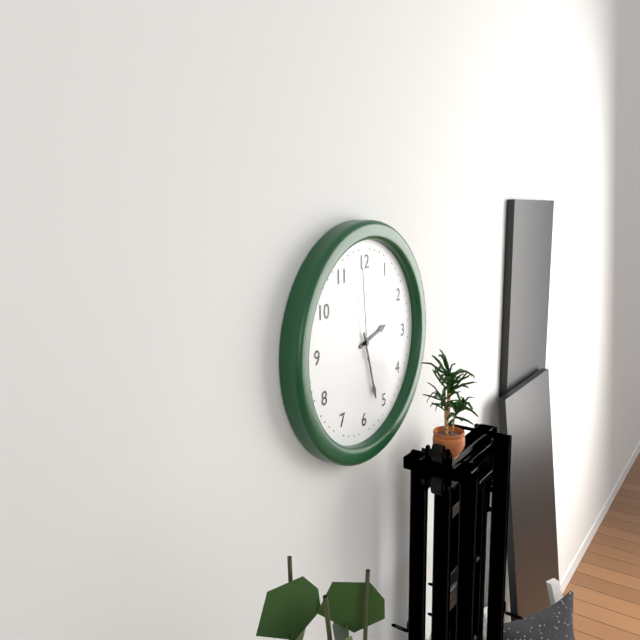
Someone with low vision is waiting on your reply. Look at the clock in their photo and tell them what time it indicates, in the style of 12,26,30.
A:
2,27,59
